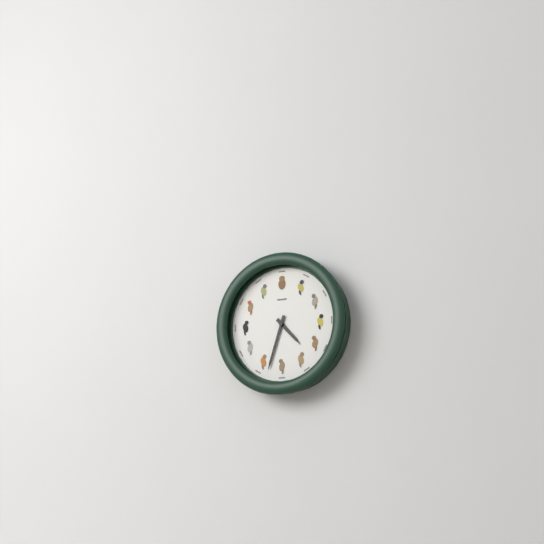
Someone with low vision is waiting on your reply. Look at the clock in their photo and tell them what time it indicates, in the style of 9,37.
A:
4,33
